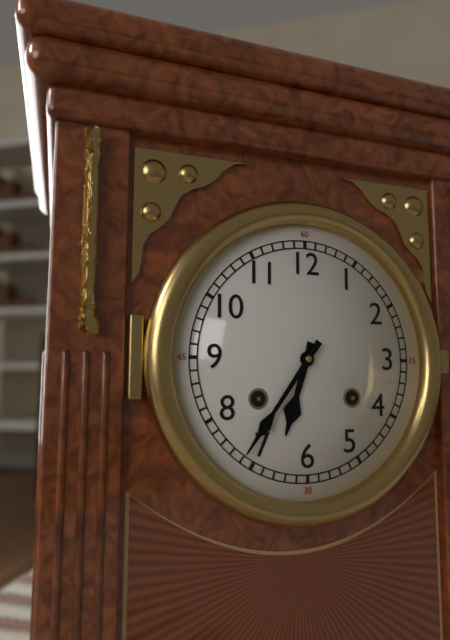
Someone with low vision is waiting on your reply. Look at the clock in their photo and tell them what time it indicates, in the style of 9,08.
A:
6,36
